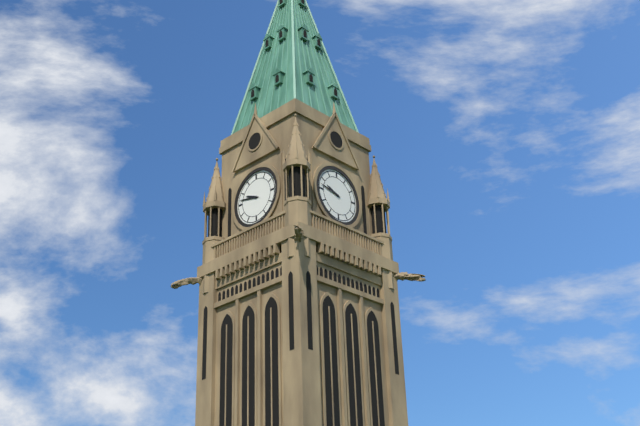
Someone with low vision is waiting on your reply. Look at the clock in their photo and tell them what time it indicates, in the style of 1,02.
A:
9,47
